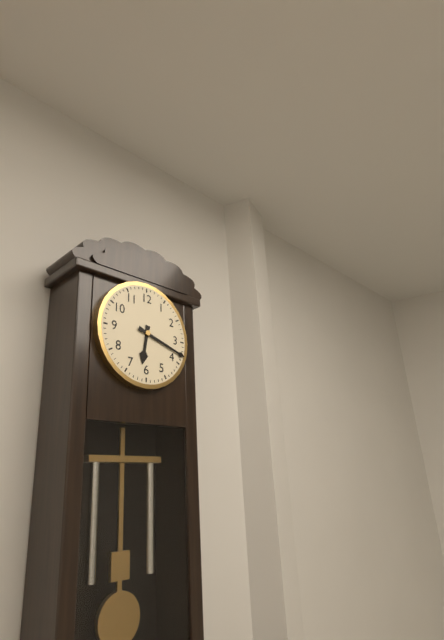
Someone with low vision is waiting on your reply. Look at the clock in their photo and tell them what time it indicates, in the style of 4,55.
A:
6,18
